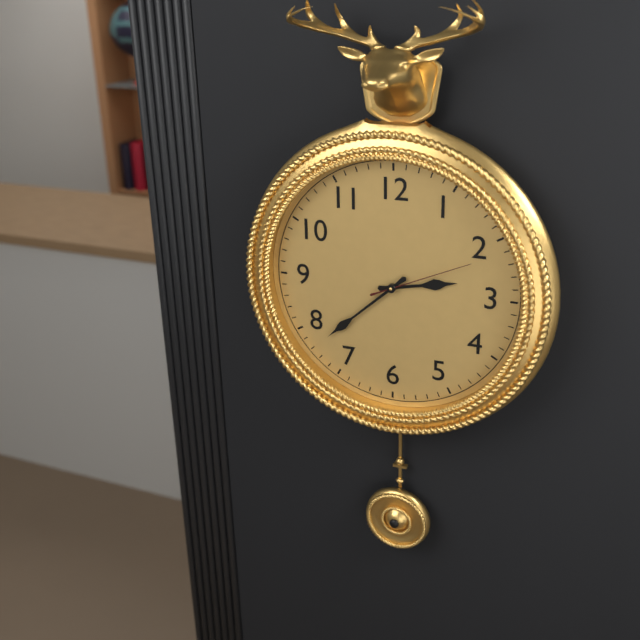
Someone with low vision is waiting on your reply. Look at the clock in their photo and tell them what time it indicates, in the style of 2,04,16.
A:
2,38,11
